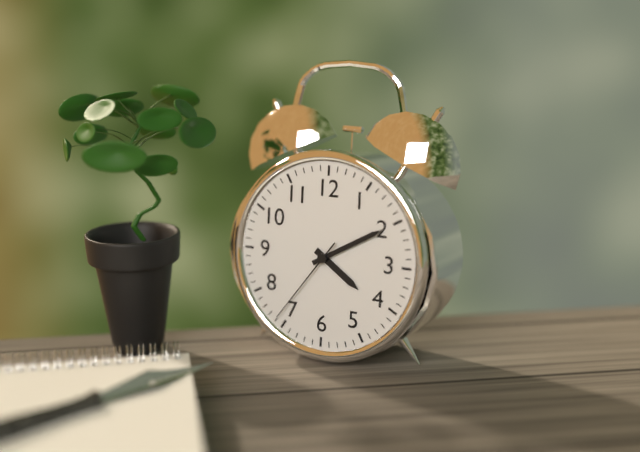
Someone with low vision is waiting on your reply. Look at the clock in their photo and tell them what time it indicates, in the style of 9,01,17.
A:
4,10,36
